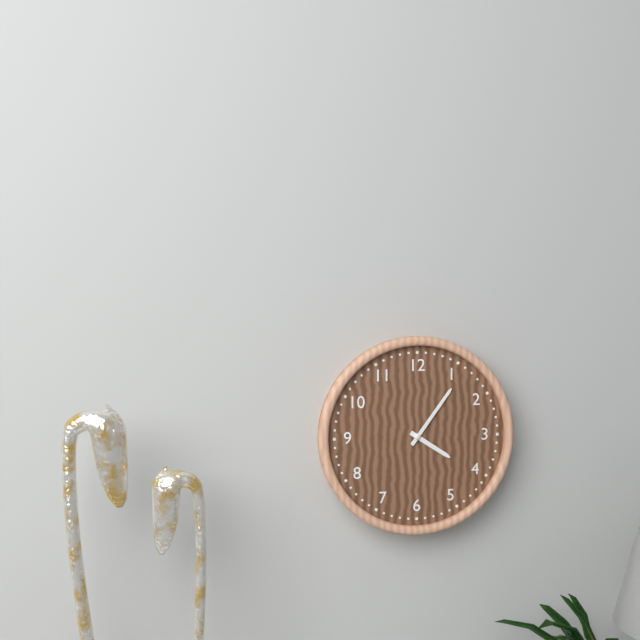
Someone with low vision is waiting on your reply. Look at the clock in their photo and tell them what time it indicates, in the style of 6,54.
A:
4,06
